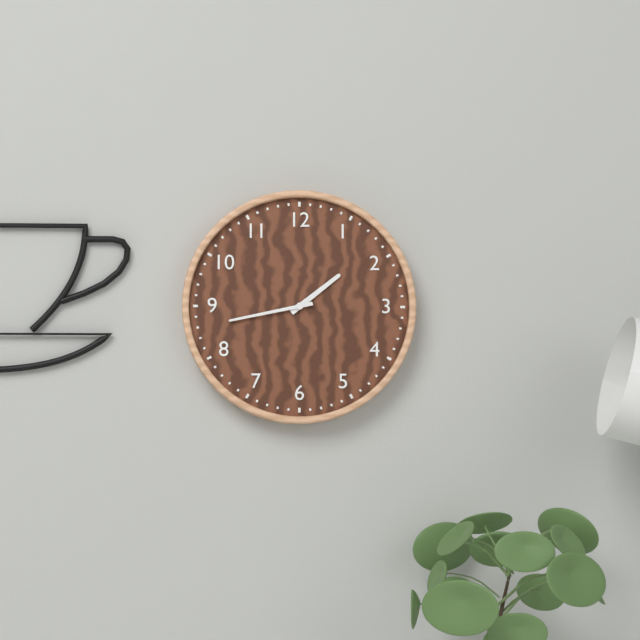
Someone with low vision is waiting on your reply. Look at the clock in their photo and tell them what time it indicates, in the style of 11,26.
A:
1,43
